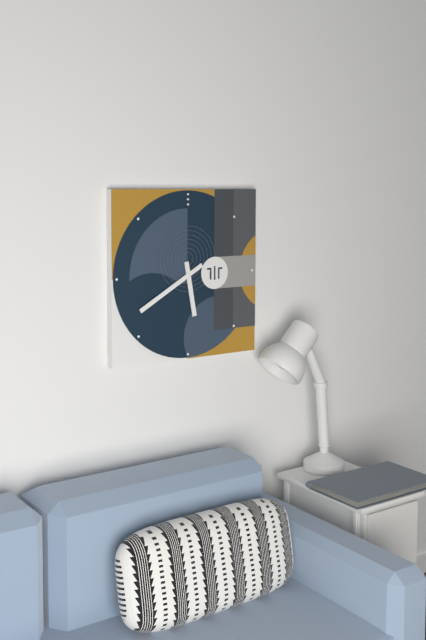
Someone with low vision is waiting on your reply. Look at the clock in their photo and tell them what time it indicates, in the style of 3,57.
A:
5,40
